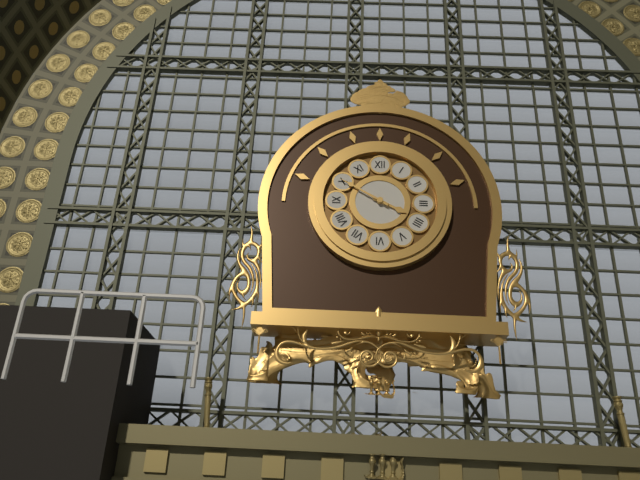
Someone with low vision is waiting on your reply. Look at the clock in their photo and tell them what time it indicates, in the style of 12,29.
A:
3,50
